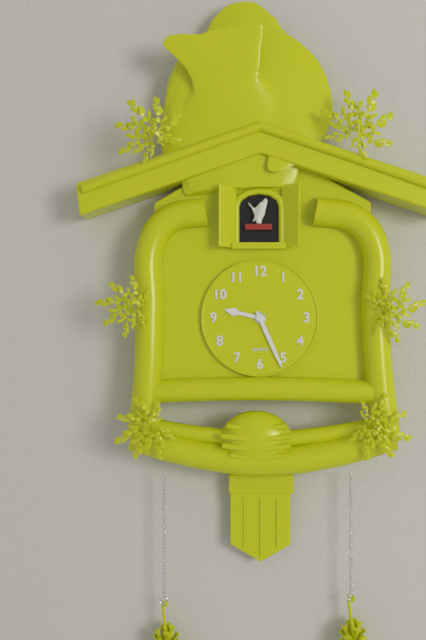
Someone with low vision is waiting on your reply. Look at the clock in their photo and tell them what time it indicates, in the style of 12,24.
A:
9,26
